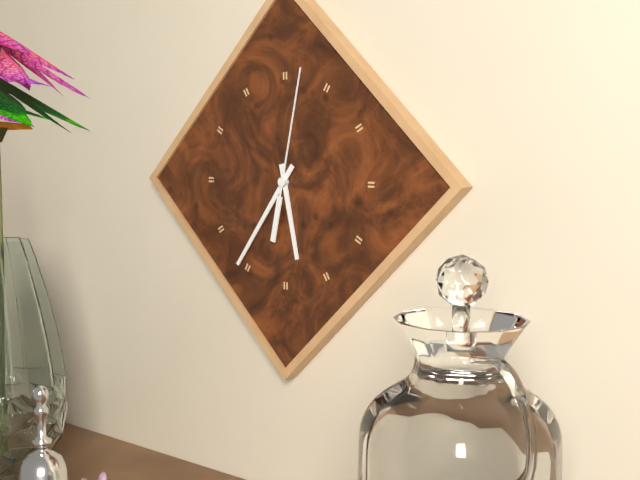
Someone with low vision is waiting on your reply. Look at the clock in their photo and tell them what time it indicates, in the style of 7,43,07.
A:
5,36,02
